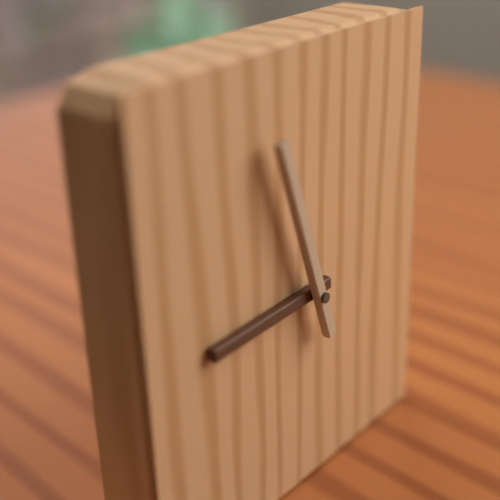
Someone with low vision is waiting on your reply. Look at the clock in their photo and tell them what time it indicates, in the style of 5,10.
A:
8,57
